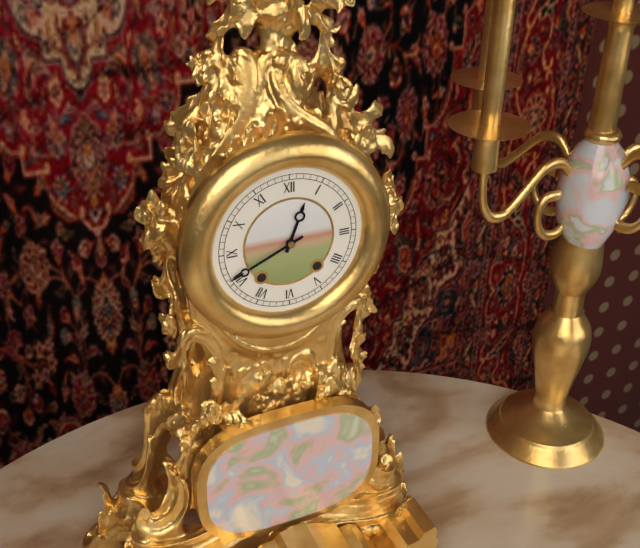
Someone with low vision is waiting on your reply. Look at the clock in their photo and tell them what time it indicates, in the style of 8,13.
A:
12,41
